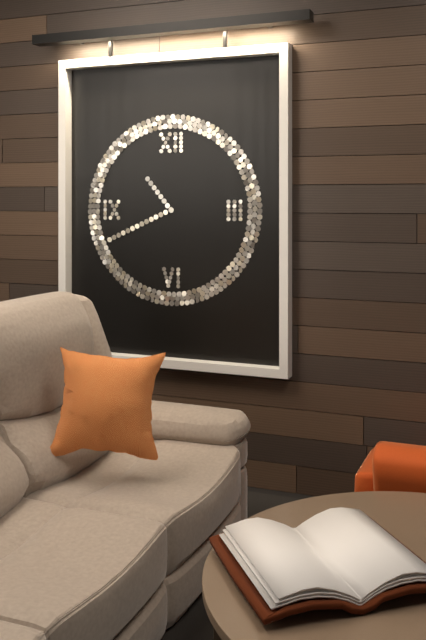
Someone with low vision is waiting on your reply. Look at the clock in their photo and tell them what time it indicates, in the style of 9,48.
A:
10,41
